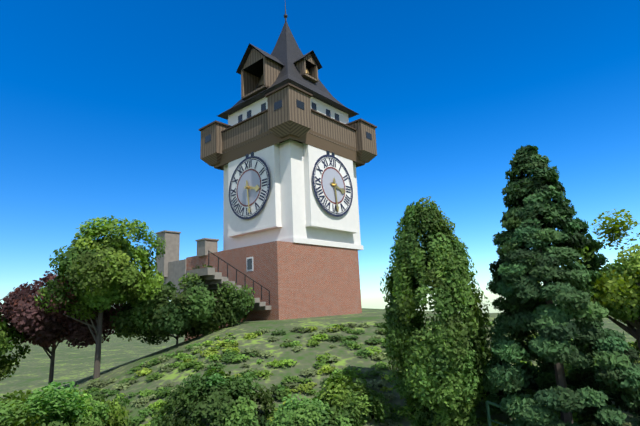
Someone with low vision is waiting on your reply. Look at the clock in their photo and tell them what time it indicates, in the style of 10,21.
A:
3,29
